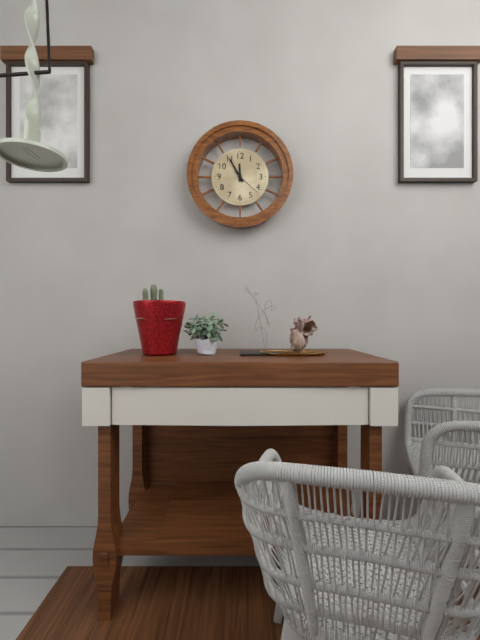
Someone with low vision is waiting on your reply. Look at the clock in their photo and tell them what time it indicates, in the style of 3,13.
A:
11,55
